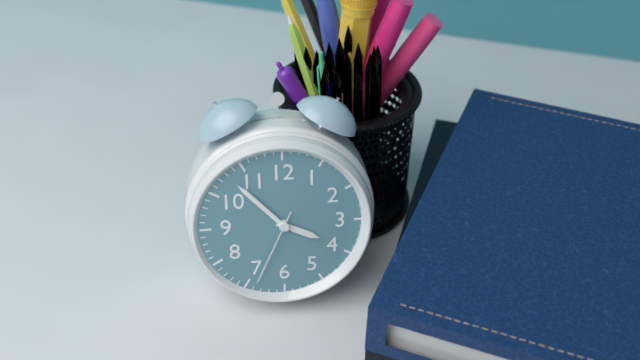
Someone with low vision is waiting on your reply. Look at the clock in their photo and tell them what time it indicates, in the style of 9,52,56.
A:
3,53,34
